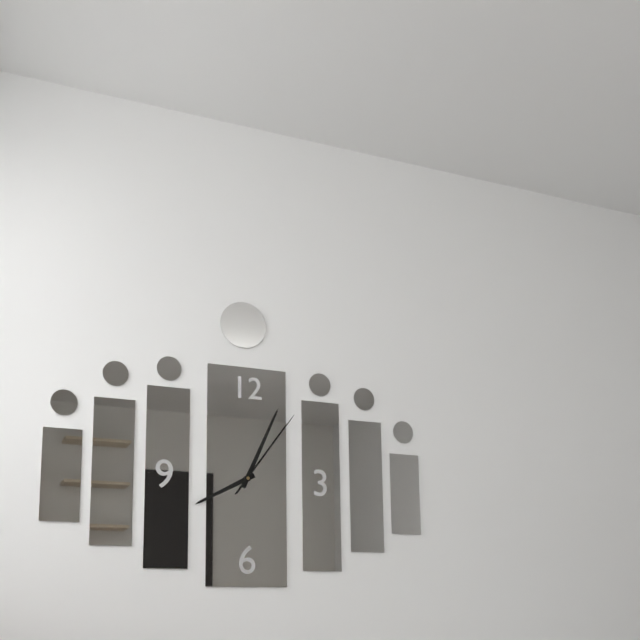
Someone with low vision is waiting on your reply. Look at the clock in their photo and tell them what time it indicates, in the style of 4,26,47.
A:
8,04,06
